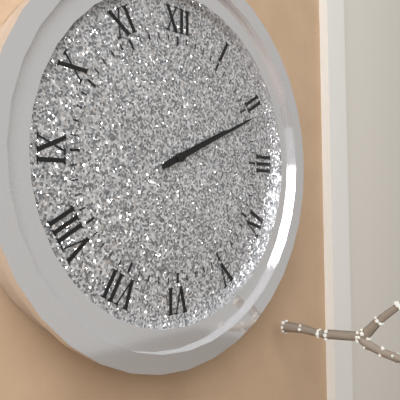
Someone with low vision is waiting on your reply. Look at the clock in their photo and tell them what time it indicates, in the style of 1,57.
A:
2,11
